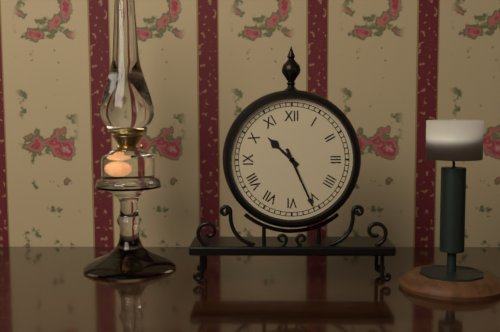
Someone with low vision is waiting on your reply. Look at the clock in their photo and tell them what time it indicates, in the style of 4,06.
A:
10,26
